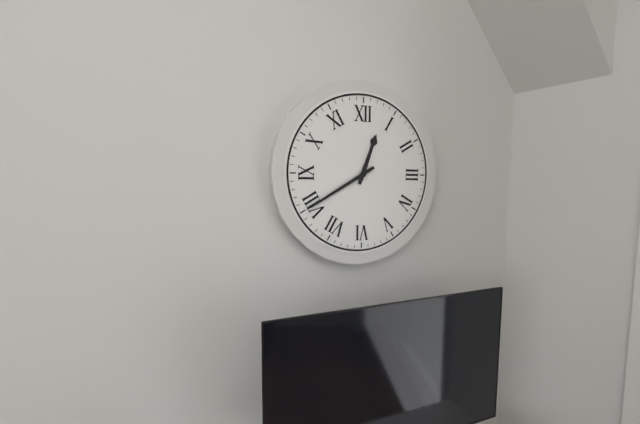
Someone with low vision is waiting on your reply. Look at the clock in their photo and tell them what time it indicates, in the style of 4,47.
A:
12,40
